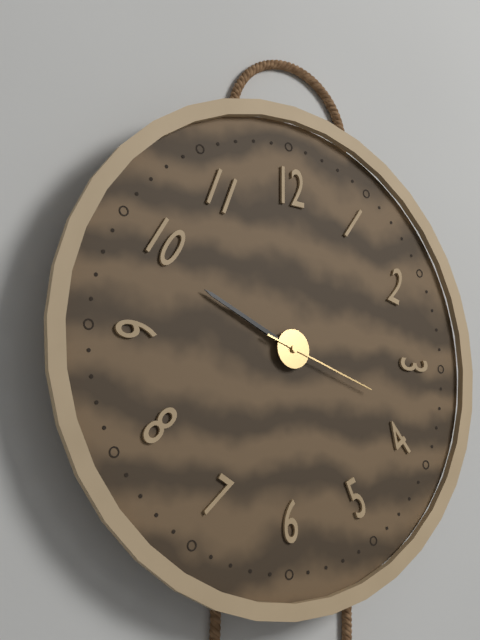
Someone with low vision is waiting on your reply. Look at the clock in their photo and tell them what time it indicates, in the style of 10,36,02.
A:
9,49,18
